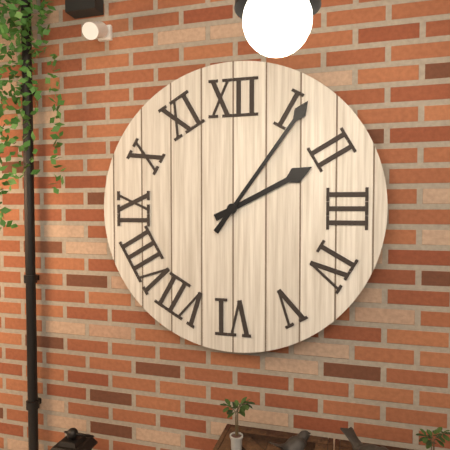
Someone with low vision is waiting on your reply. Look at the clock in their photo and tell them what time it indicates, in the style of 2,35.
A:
2,06
